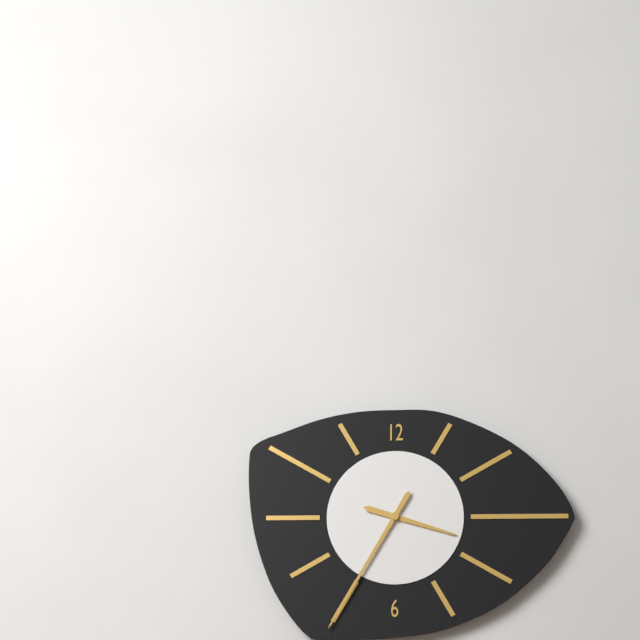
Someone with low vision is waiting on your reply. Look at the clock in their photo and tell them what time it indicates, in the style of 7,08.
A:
3,35
